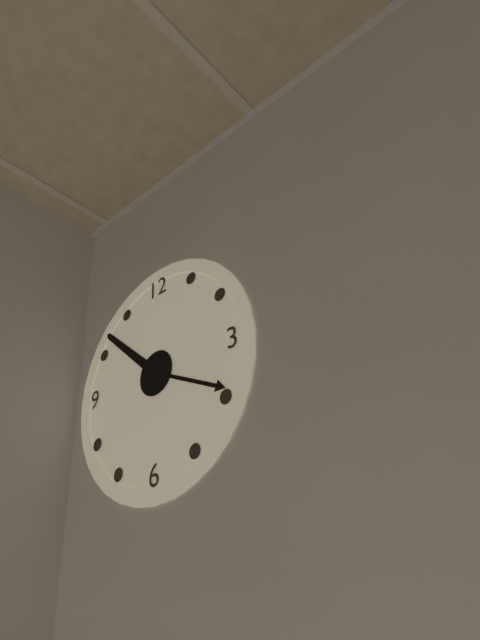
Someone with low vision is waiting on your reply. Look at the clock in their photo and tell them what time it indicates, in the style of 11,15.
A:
3,52
